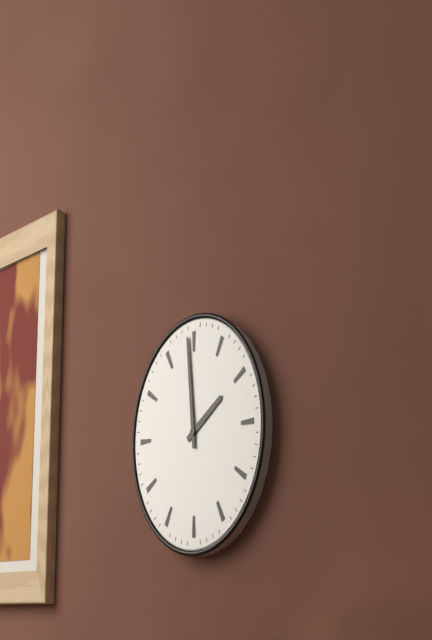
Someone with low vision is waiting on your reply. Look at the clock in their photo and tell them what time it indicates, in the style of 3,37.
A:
1,59
